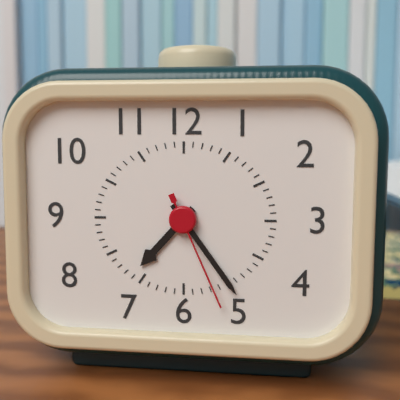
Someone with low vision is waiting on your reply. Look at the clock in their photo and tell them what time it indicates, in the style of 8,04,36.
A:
7,24,26
